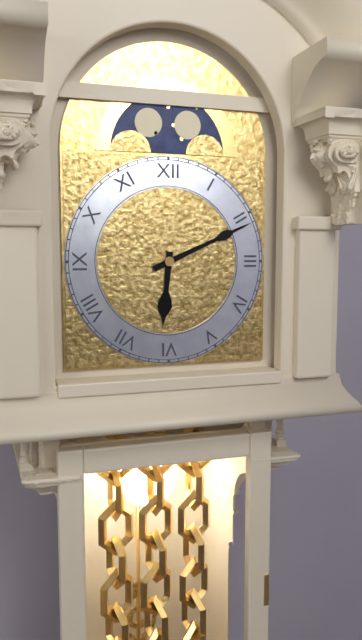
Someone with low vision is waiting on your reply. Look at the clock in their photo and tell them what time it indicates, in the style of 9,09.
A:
6,11
